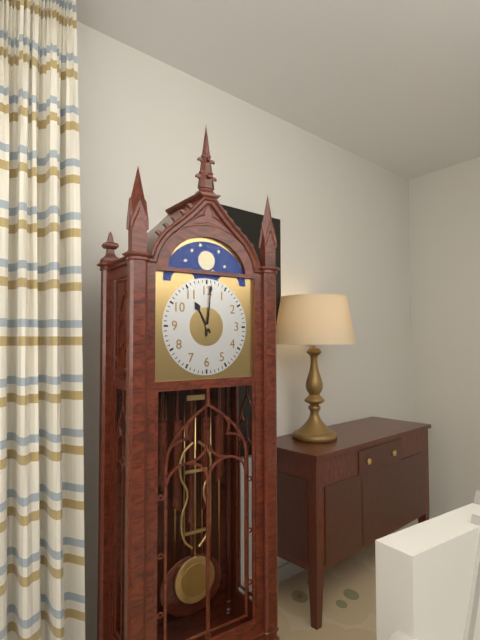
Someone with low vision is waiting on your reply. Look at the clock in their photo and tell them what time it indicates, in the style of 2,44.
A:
11,01
